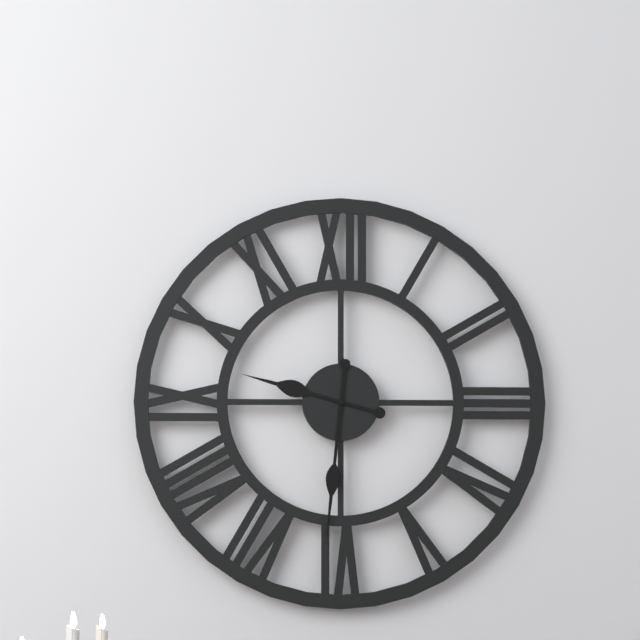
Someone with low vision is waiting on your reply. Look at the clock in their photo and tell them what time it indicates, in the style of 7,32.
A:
9,31
